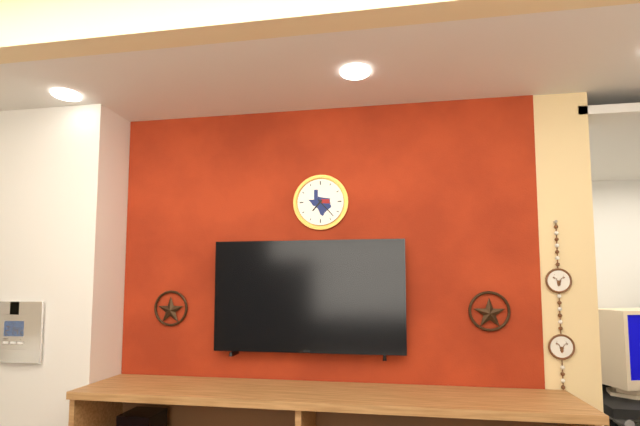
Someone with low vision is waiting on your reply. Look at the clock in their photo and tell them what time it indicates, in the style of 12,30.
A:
7,23
